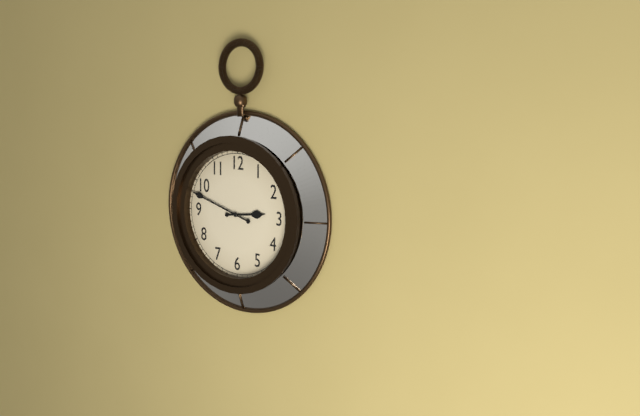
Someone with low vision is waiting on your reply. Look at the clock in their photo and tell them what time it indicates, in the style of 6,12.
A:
2,48
